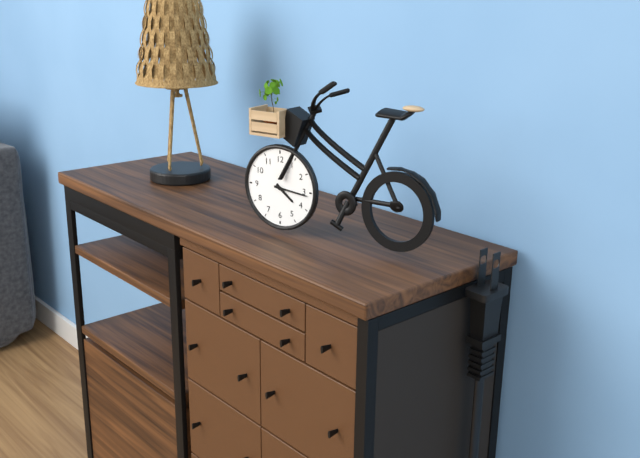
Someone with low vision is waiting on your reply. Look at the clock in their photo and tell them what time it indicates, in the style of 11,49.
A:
4,16
